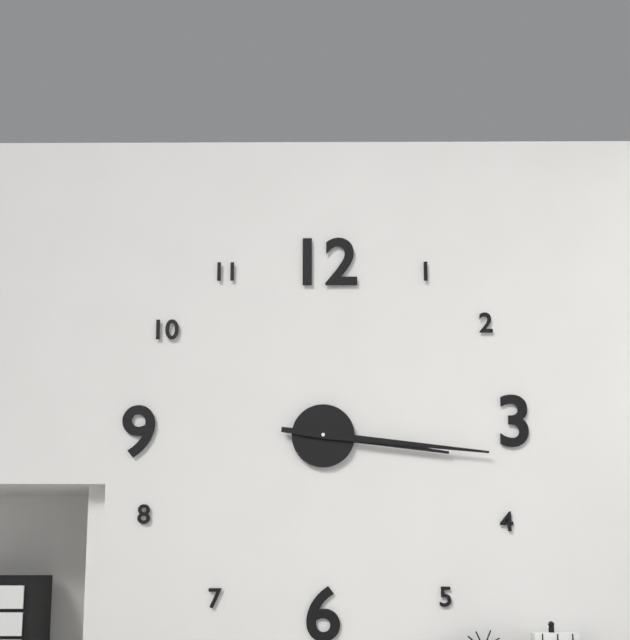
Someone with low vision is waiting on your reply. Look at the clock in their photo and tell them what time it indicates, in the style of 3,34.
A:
3,16
